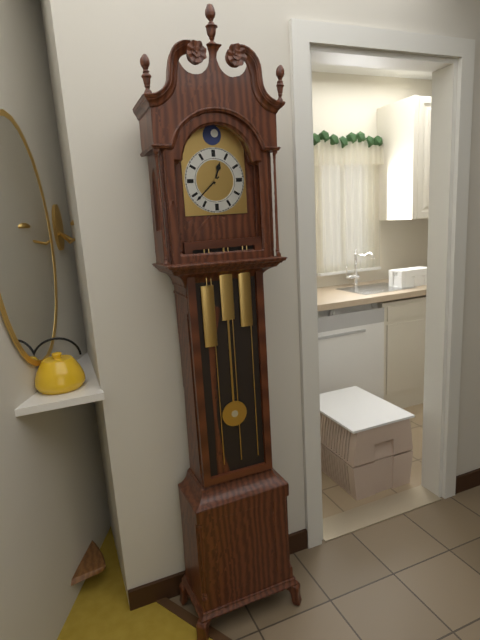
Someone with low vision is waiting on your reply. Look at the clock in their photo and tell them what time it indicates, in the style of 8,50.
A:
12,38
